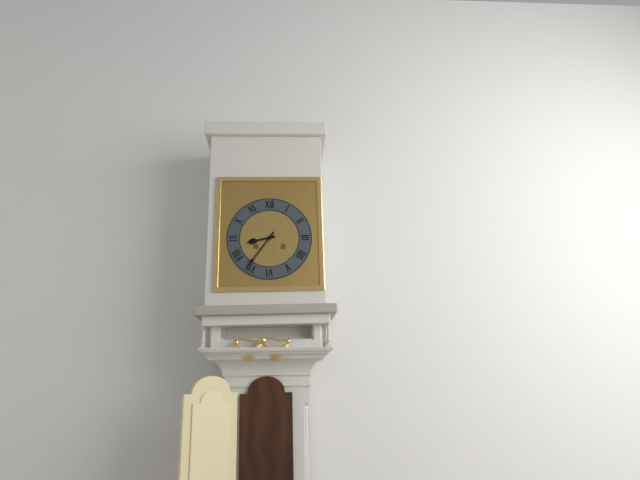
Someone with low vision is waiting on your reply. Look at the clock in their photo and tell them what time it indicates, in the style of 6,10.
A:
8,36
